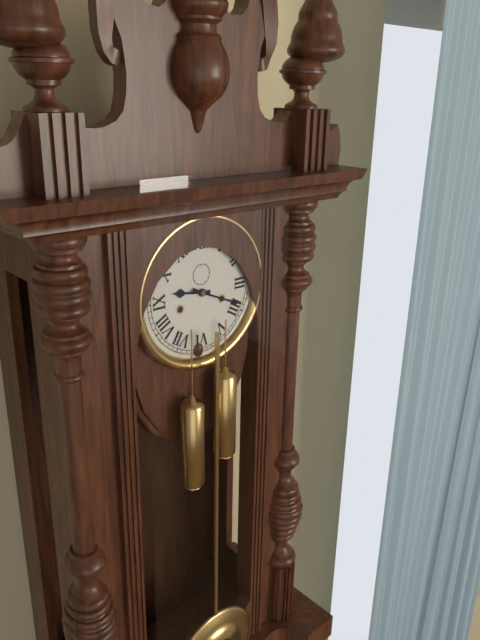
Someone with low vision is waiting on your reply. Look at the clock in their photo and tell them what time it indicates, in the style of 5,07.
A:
9,19
